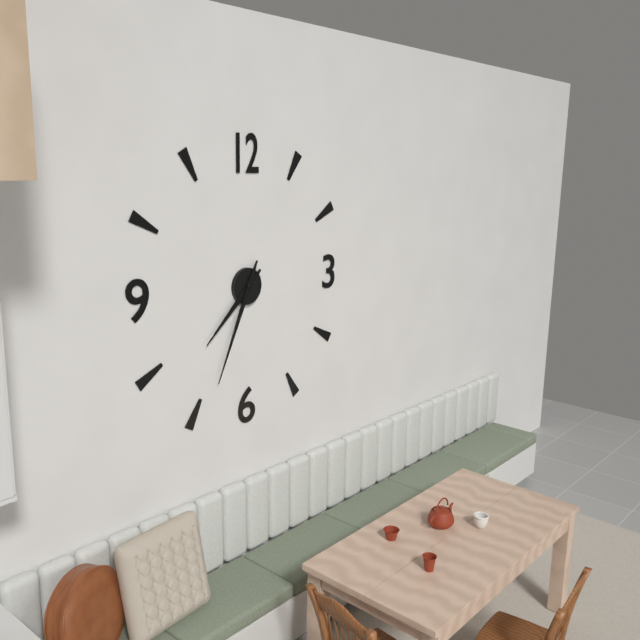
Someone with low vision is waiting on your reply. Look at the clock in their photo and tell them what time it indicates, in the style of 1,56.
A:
7,34
